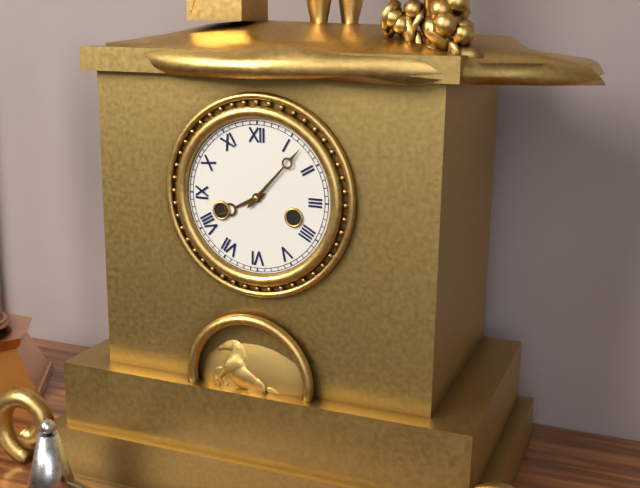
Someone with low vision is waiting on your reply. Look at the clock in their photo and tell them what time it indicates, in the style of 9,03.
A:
8,07
